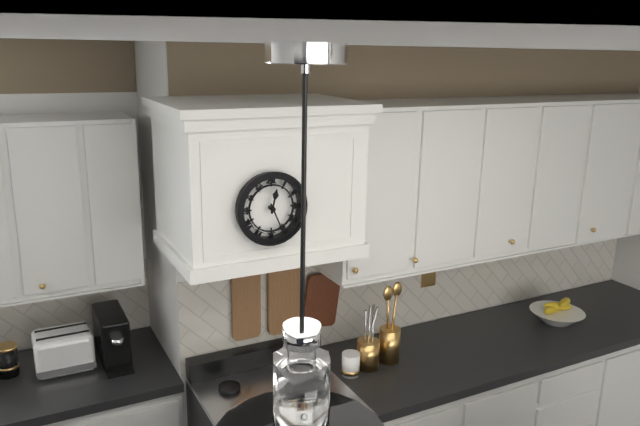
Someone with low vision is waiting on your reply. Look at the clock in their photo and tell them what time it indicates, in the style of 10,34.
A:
12,26
